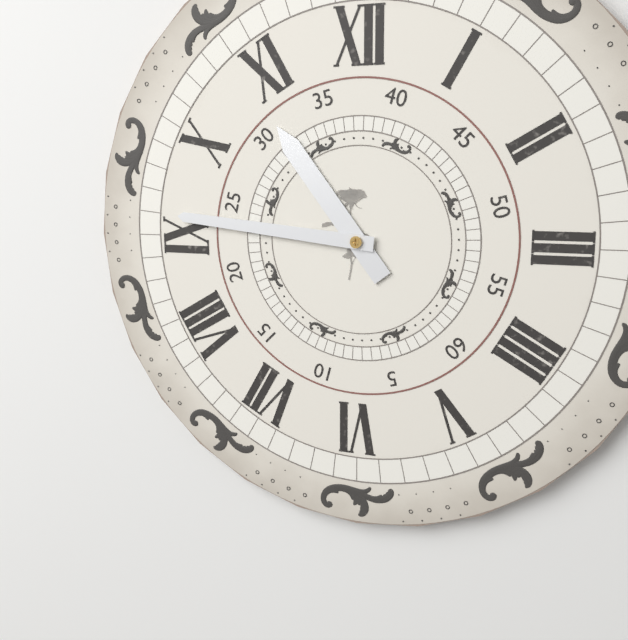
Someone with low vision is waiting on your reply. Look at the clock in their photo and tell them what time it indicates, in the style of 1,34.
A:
10,46
